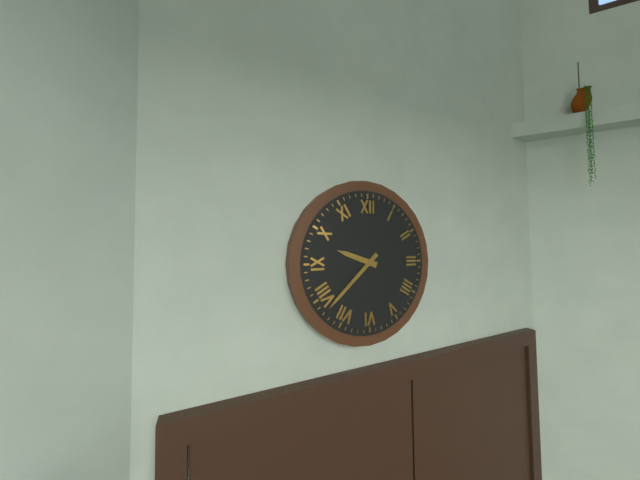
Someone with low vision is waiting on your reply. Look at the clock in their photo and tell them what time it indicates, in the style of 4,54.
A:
9,38
